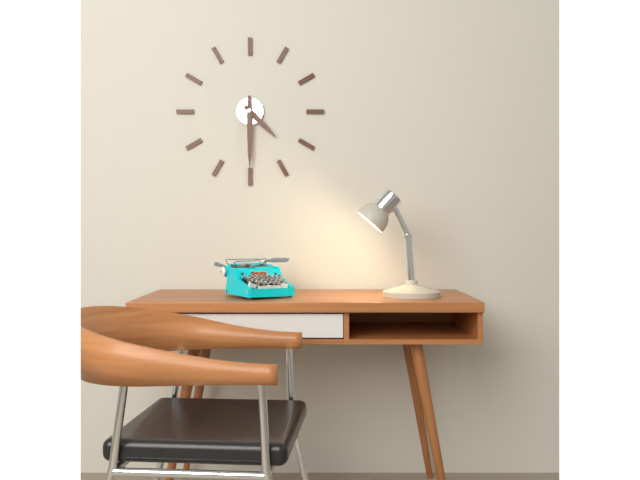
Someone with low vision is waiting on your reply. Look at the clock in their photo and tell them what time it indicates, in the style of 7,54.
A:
4,30
